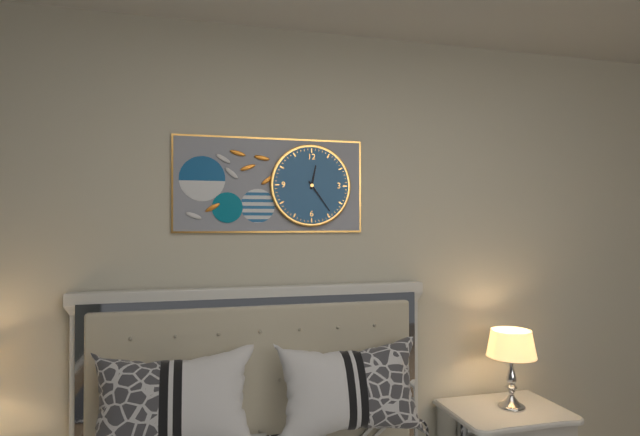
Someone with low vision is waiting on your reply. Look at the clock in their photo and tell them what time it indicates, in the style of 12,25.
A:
12,24
